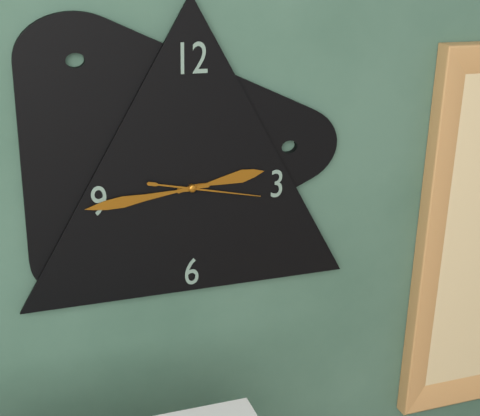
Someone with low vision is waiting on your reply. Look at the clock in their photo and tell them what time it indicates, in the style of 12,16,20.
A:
2,44,17
